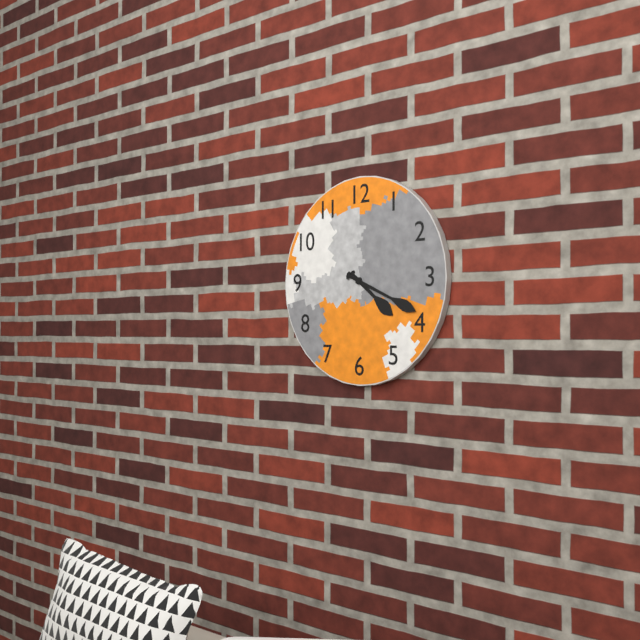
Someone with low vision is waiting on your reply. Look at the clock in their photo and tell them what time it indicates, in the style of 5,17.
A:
4,19
